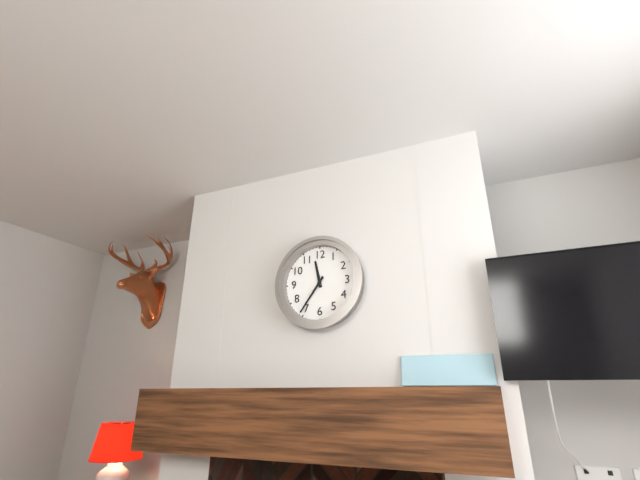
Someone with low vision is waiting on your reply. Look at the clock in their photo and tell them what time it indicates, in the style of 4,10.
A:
11,36
